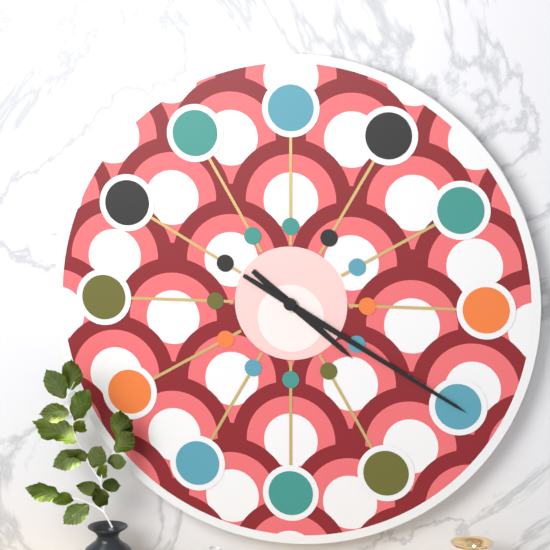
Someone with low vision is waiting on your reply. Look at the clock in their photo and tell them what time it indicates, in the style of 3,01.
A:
4,20
